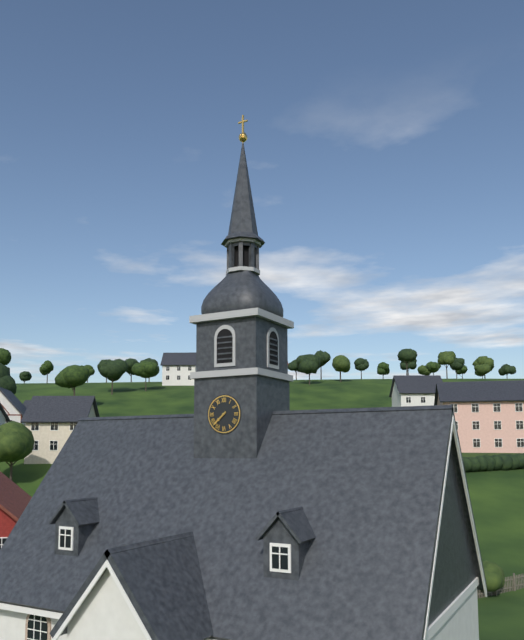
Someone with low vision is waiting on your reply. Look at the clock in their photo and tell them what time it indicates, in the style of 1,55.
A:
7,38
